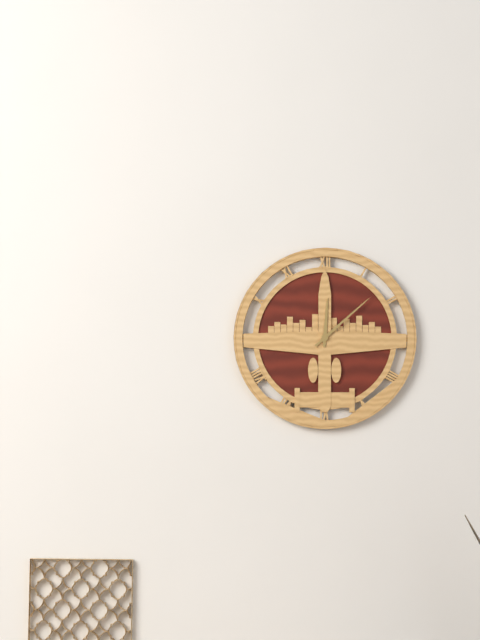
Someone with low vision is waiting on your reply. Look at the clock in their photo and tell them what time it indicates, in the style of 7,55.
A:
12,08
